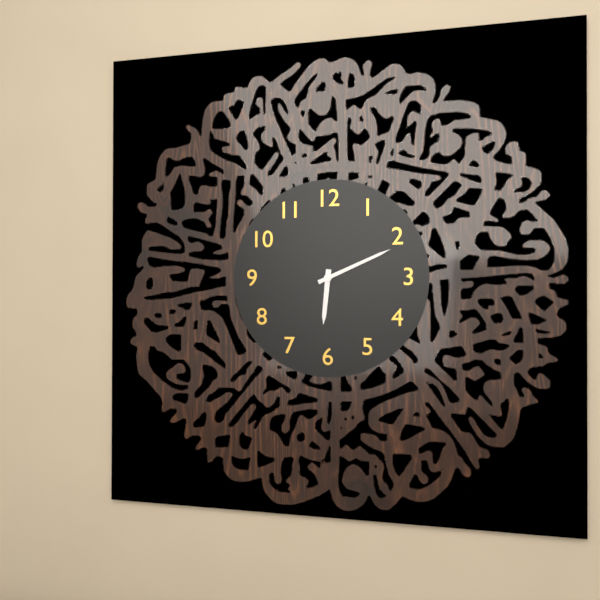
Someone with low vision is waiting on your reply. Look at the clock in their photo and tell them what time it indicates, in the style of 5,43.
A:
6,11
